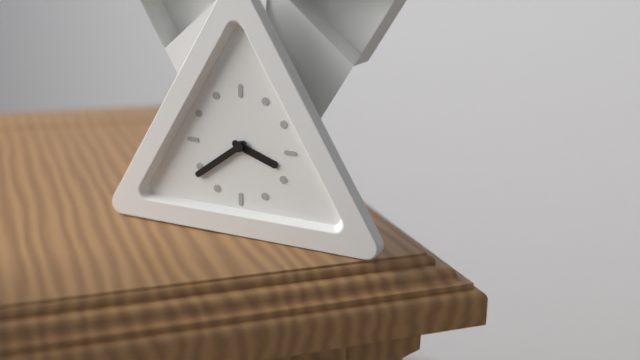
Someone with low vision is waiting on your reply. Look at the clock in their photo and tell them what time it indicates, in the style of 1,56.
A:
3,39
